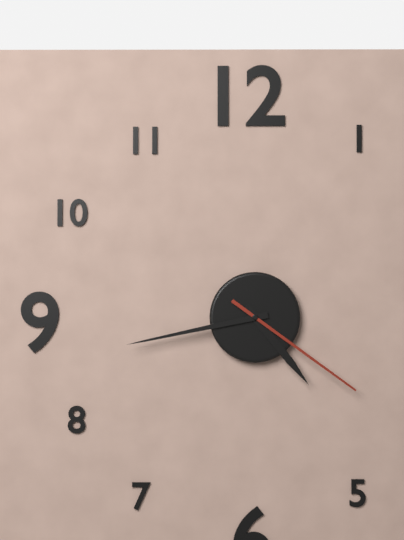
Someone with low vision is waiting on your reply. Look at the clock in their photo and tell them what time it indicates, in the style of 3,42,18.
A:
4,43,21
